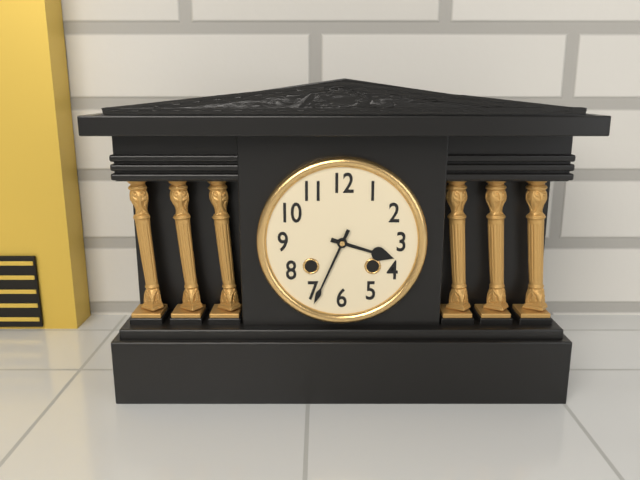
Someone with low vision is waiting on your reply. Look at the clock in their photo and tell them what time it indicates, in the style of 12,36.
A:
3,34
